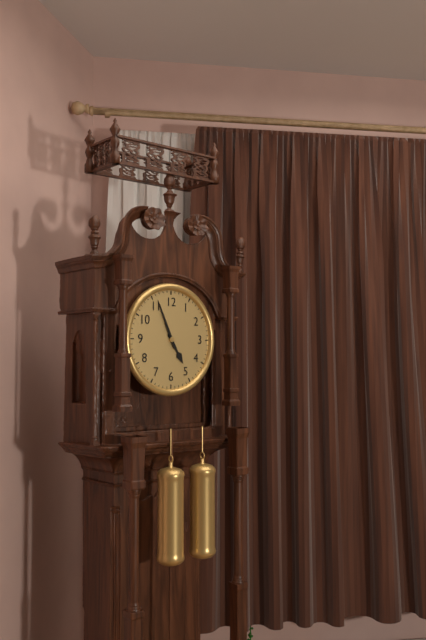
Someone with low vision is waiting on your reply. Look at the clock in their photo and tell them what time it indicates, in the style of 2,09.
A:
4,56
